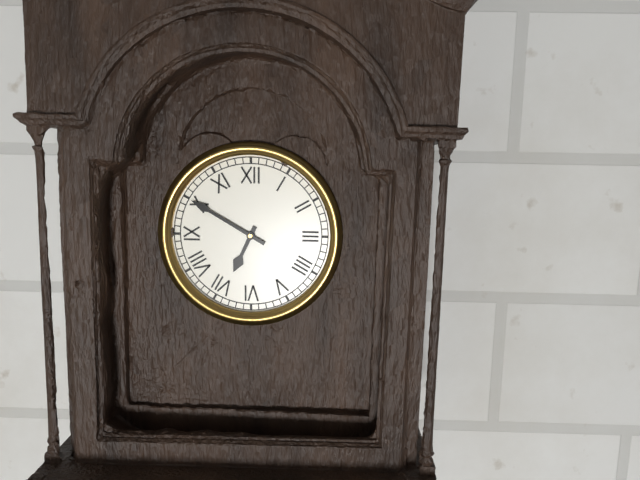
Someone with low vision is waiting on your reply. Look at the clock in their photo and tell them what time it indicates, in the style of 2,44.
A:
6,50
